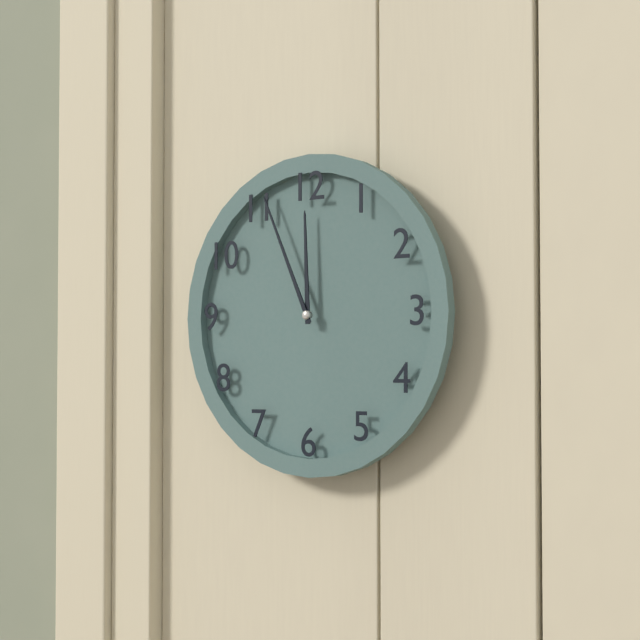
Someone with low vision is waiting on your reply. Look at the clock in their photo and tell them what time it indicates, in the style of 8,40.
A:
11,56
